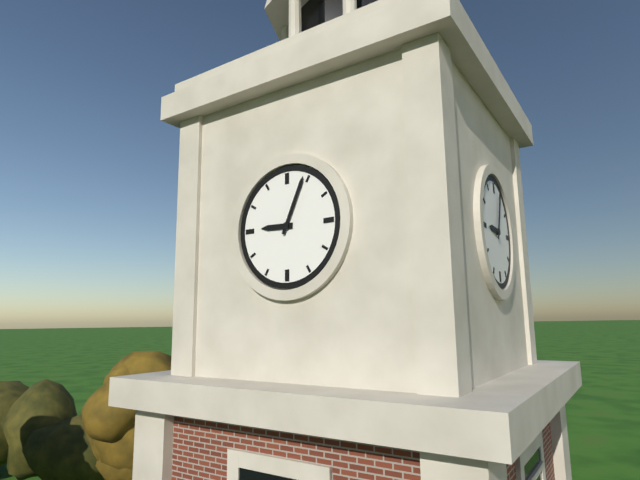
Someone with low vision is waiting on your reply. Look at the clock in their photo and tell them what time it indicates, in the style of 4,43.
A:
9,04
